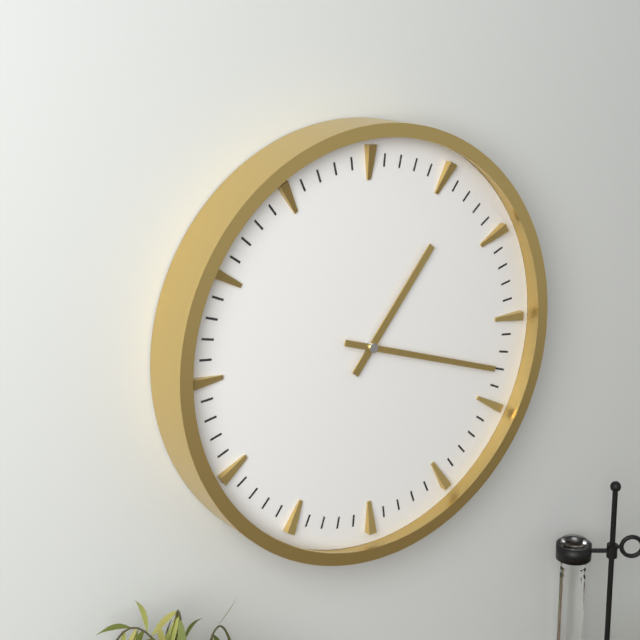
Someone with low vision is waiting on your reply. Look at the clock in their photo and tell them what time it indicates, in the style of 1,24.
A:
1,18
